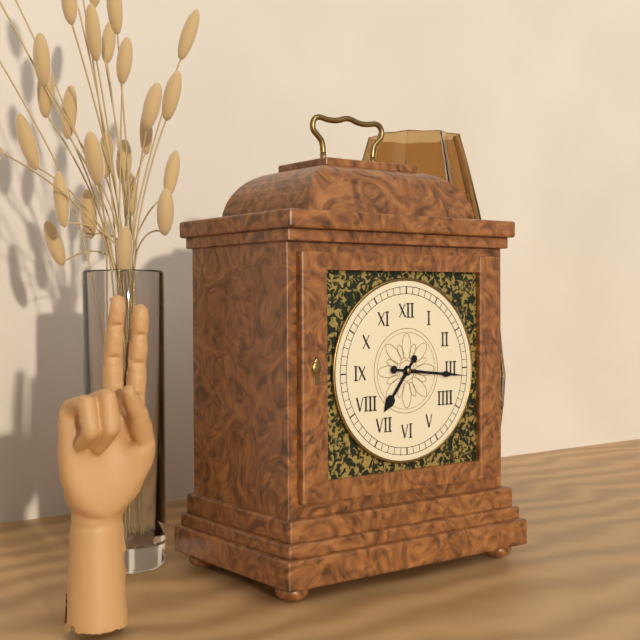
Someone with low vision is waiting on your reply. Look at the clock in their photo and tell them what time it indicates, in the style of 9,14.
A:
7,16
